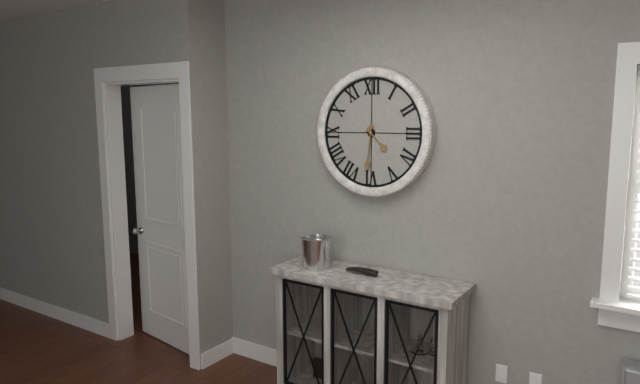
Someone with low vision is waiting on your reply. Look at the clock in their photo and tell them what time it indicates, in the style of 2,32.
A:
4,31
